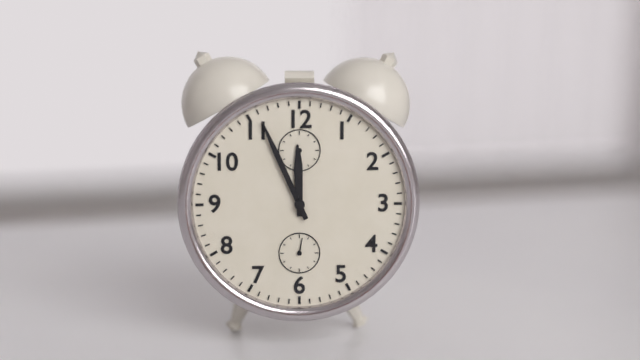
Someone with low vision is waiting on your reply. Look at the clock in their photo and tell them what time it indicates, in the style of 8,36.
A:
11,56
